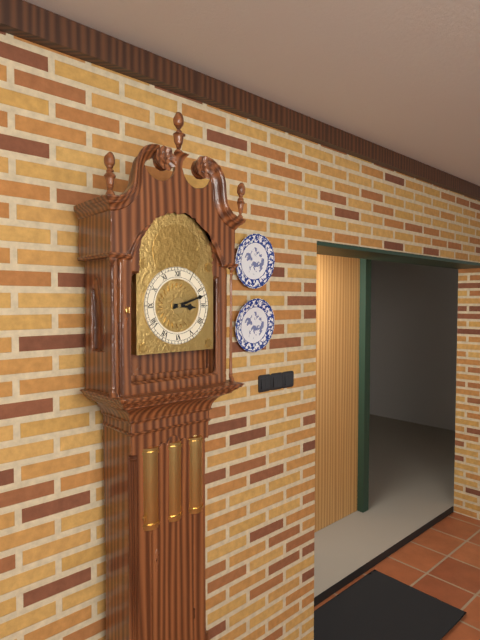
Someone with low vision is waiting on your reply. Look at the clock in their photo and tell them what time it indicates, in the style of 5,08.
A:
3,12
